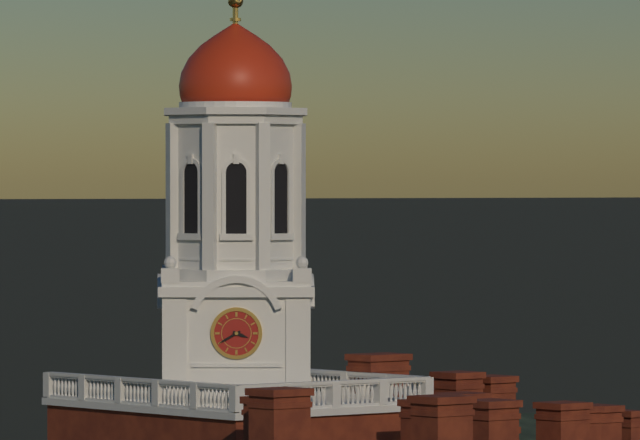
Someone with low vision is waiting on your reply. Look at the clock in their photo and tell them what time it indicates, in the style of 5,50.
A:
3,40
